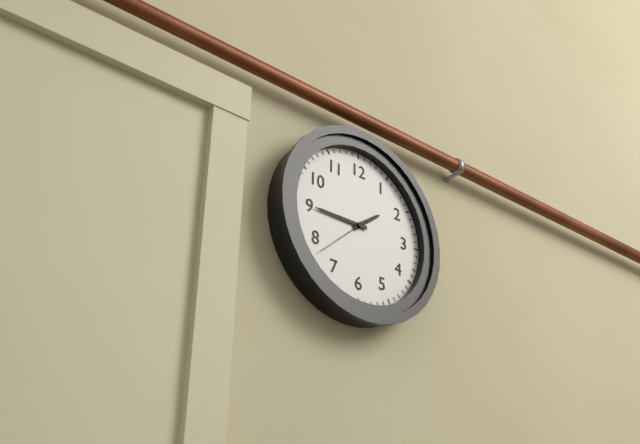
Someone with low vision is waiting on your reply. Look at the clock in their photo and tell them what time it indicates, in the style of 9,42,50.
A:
1,45,38
